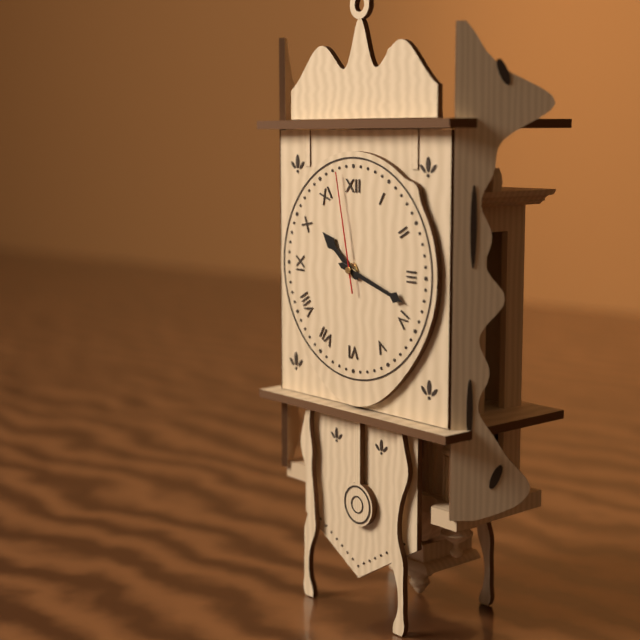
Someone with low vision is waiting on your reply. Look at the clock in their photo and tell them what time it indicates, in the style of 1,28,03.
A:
10,18,58
